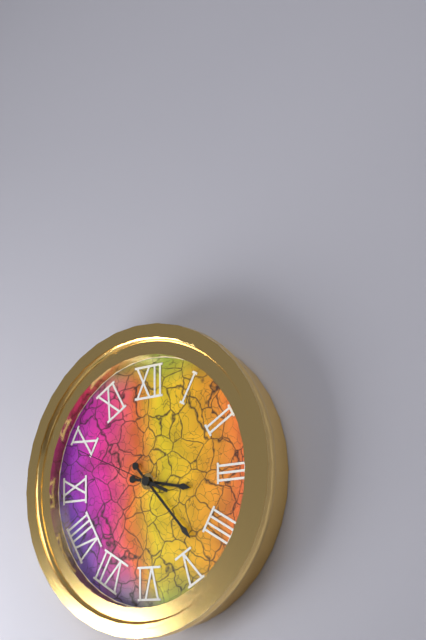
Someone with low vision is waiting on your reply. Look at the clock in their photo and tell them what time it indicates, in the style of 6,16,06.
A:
3,23,49
